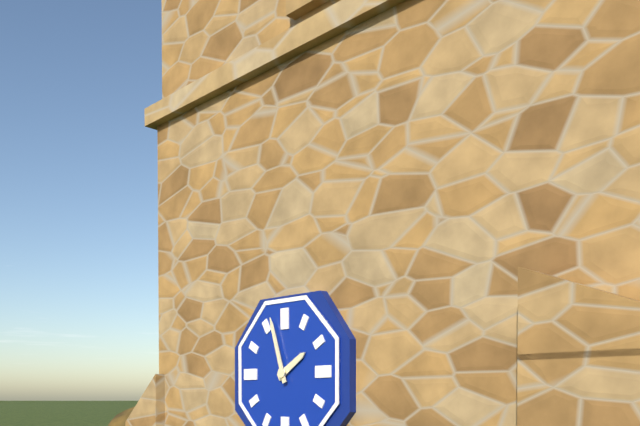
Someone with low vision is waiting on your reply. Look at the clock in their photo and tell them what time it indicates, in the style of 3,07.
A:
1,57
